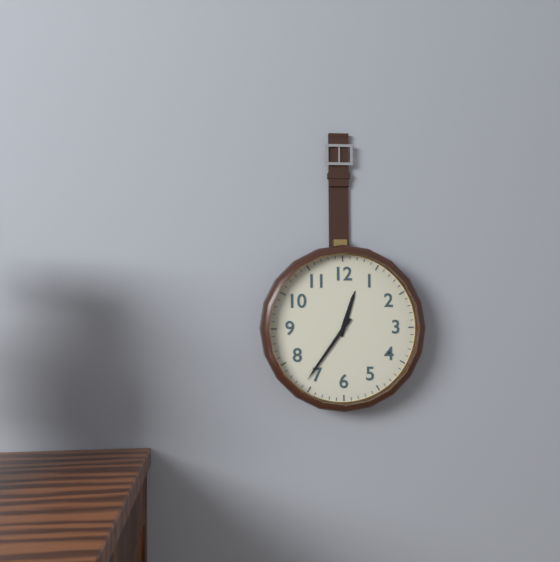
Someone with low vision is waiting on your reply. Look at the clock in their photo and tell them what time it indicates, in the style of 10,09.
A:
12,36
